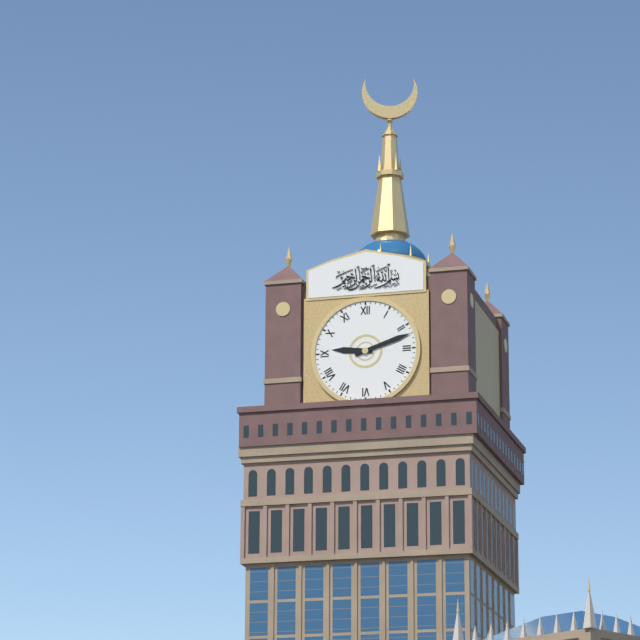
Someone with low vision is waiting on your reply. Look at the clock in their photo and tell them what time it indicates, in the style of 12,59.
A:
9,12
